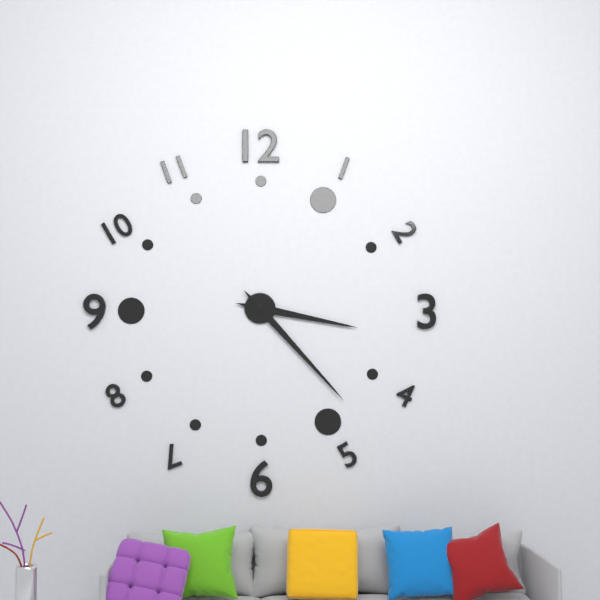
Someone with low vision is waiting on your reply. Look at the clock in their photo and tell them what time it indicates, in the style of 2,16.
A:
3,23
